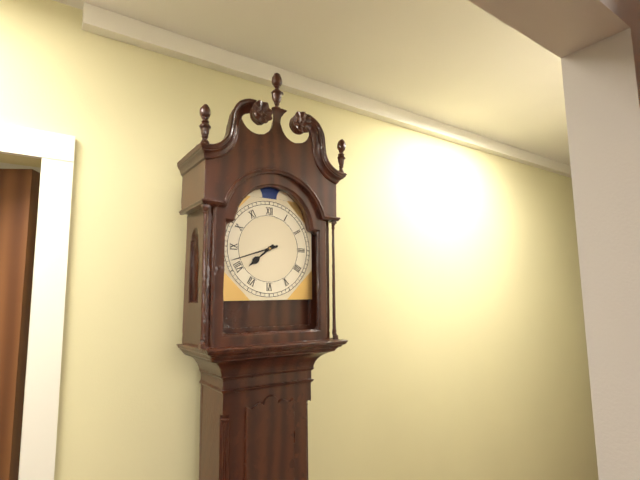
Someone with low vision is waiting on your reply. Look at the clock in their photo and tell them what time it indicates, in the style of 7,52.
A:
7,42
